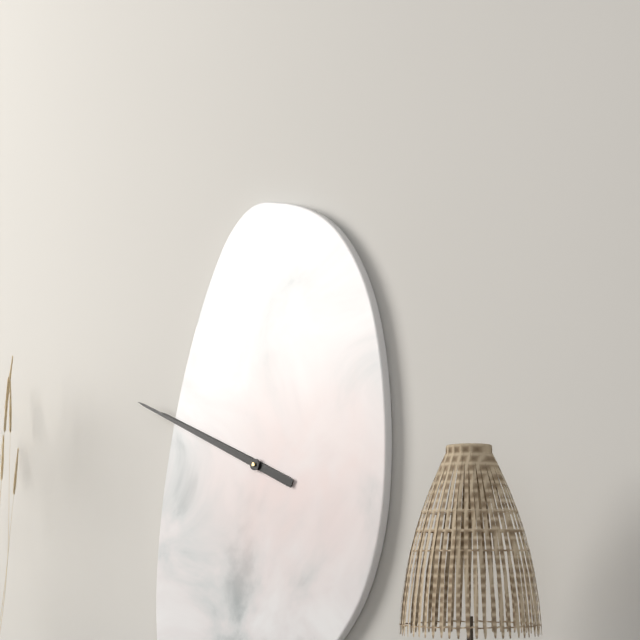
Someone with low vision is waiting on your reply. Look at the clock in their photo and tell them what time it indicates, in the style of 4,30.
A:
9,49
